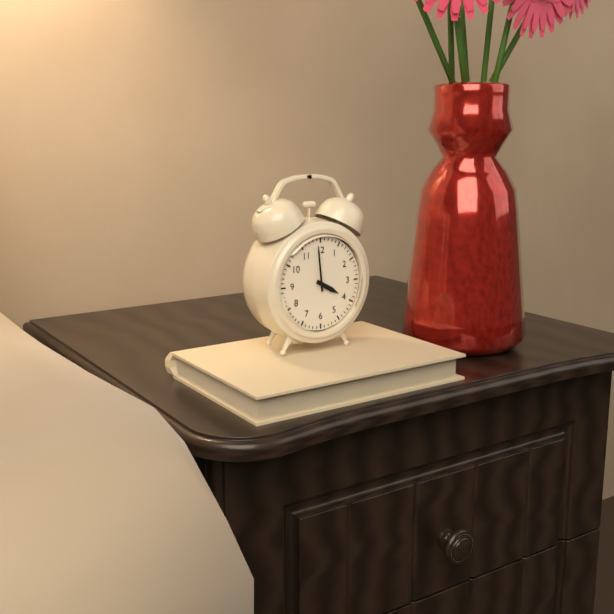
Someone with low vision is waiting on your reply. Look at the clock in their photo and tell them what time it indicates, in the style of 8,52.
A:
3,59
